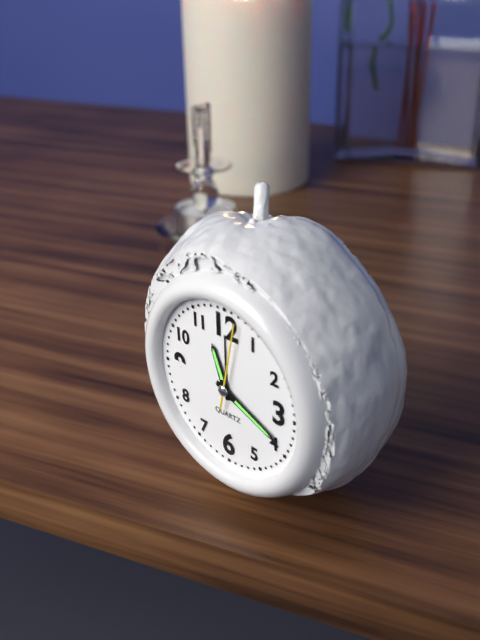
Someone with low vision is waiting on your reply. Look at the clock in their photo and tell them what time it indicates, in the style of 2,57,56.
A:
11,19,02
